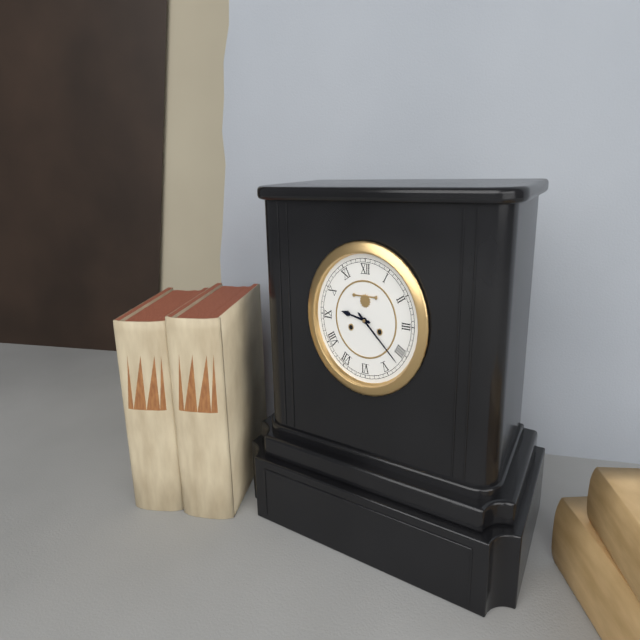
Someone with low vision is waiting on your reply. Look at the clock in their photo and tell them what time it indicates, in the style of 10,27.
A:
9,22
